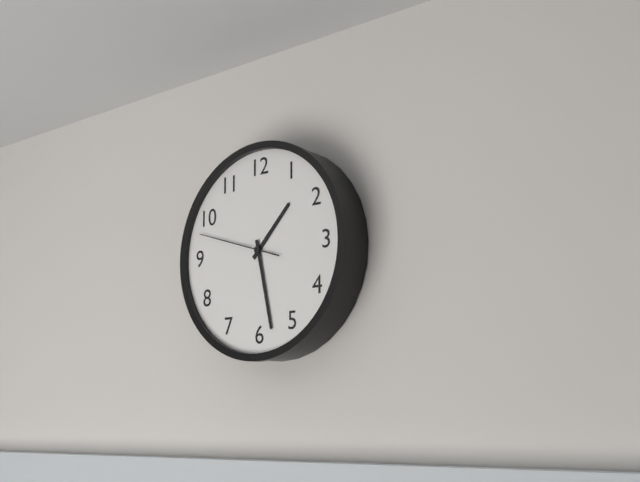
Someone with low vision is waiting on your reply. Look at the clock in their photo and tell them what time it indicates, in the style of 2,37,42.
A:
1,28,48
